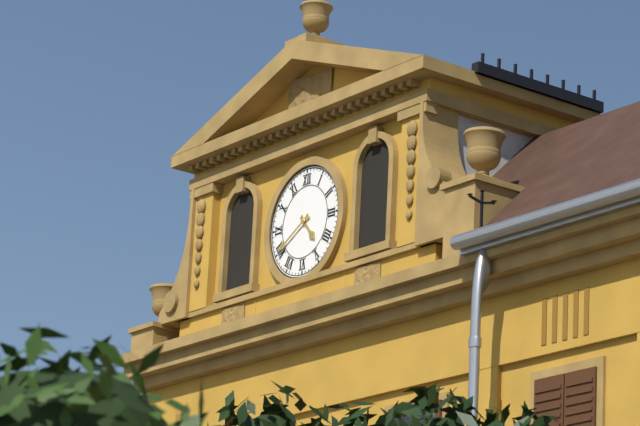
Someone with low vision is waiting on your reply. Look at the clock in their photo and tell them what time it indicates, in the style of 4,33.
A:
4,40
